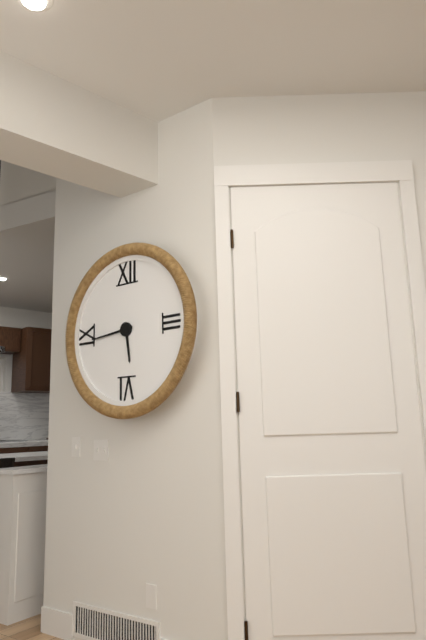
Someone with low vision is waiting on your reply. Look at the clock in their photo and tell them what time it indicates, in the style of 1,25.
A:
5,44
